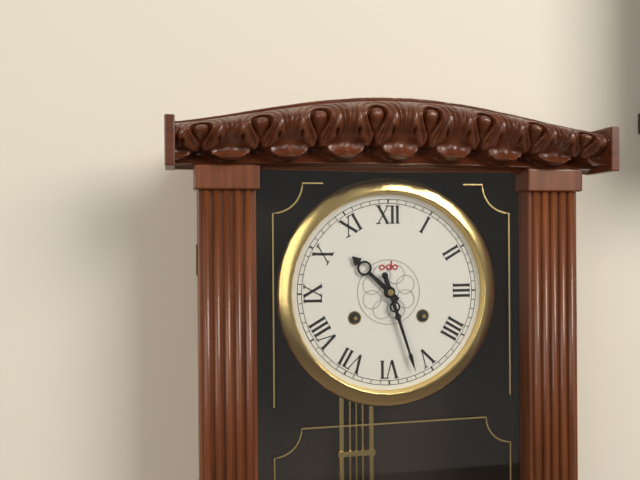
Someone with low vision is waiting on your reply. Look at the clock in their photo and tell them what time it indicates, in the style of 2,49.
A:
10,27
